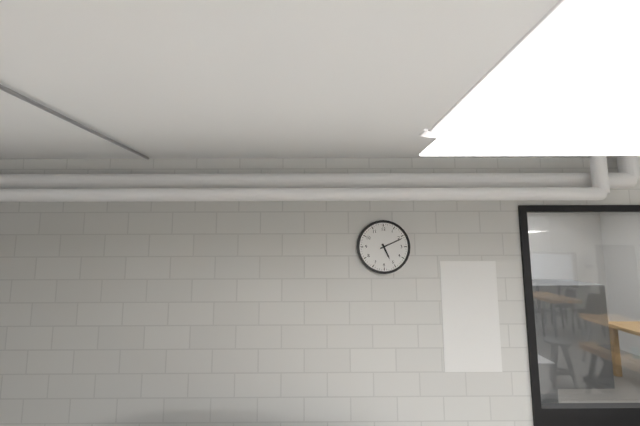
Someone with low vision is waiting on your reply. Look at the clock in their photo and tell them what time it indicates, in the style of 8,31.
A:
5,11
